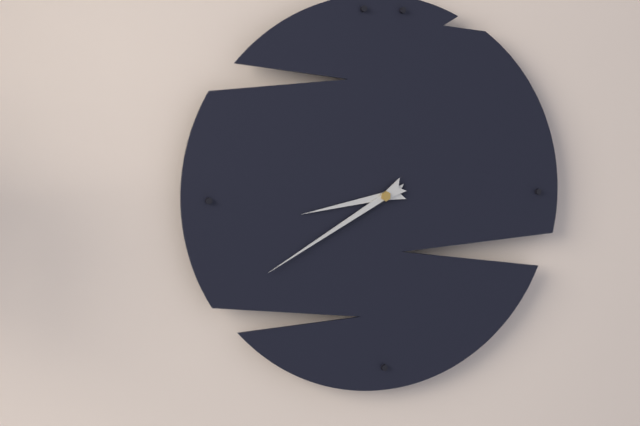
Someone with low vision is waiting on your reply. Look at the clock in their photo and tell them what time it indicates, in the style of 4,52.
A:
8,40
